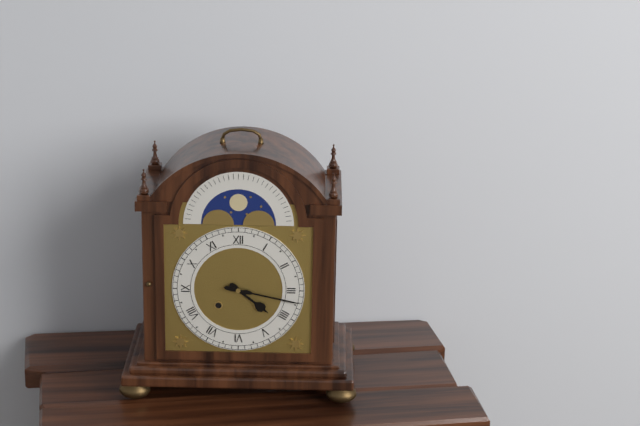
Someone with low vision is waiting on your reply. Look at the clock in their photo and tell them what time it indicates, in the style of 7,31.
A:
4,17
